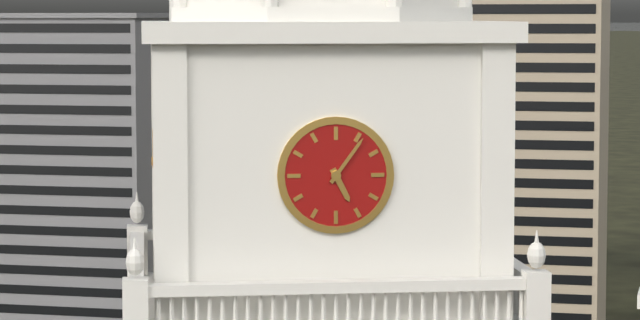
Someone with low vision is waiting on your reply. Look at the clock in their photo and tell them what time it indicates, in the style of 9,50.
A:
5,06
